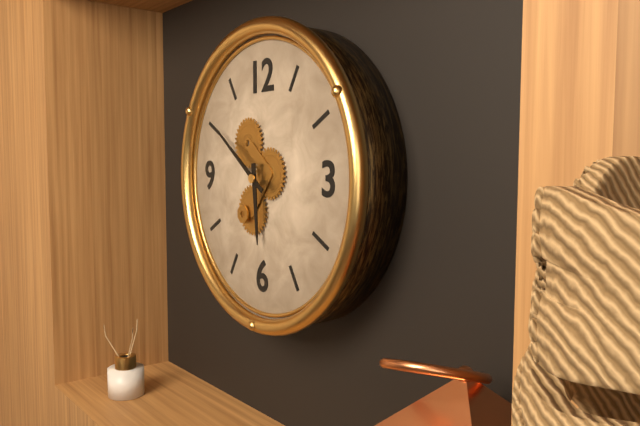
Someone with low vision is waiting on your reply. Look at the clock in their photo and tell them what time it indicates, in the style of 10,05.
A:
5,51
